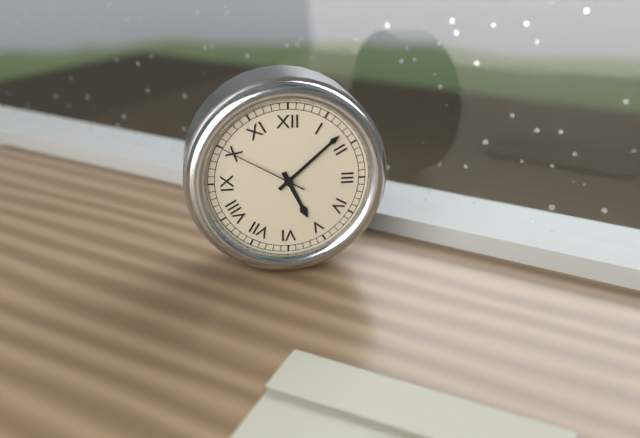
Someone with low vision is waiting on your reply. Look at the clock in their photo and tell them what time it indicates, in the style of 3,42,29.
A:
5,08,50
